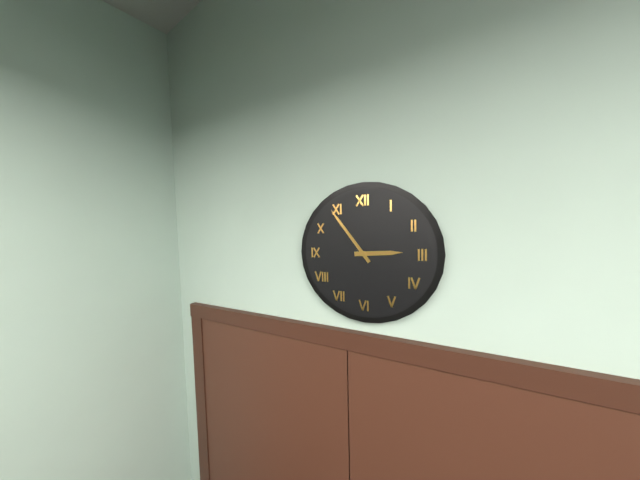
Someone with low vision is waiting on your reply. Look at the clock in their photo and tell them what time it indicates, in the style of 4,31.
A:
2,54
